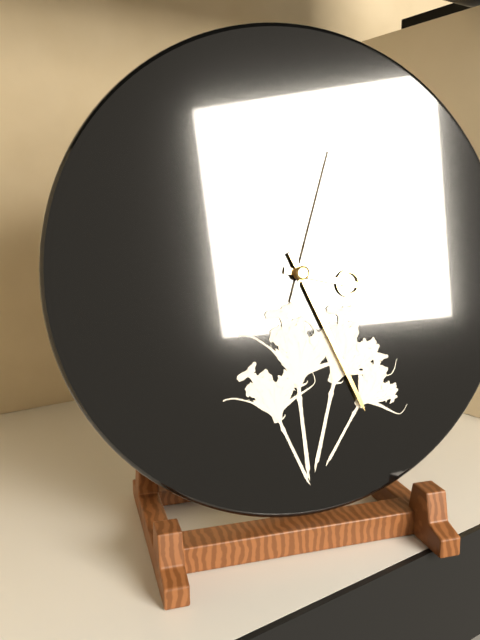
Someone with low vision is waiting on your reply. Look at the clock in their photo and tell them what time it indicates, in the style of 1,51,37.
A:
3,26,03
